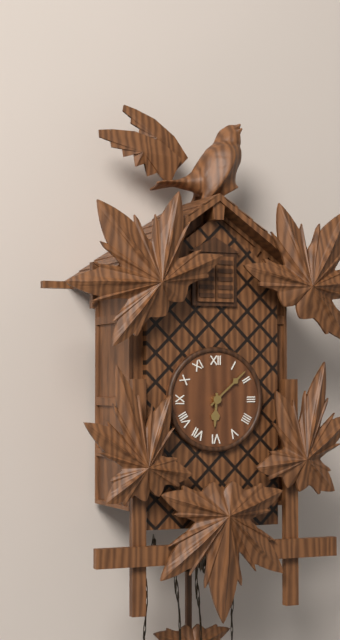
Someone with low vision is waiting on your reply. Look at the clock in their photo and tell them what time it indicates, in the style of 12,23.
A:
6,08
